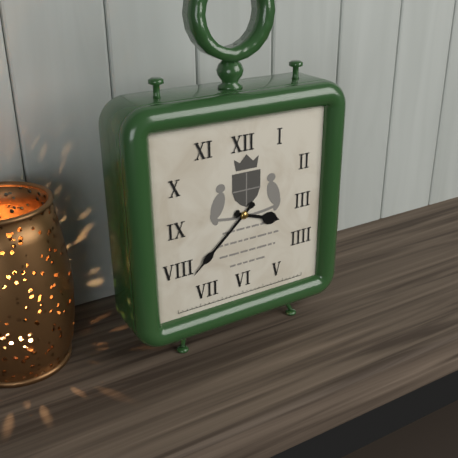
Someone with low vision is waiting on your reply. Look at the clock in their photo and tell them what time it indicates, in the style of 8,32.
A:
3,38
